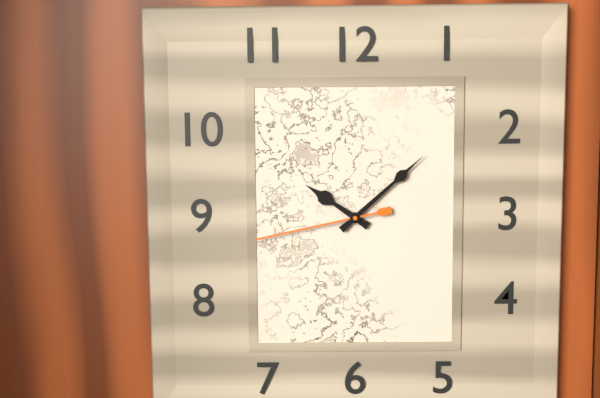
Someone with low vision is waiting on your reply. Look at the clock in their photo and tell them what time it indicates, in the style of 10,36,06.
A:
10,08,43
